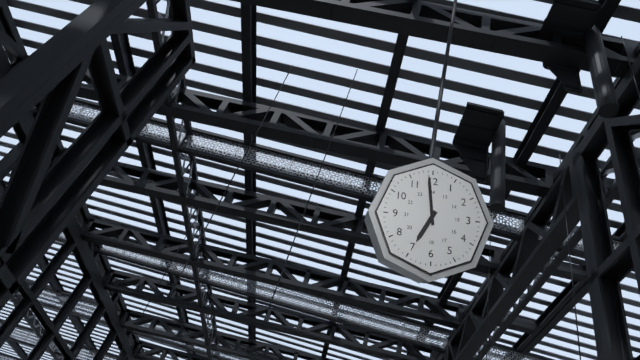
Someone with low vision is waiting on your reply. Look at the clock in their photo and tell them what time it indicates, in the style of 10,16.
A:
6,59
